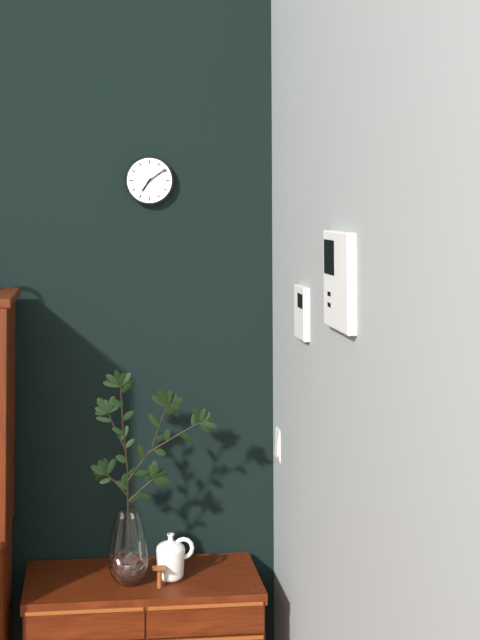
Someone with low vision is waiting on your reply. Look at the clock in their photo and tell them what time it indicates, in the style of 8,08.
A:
7,09
